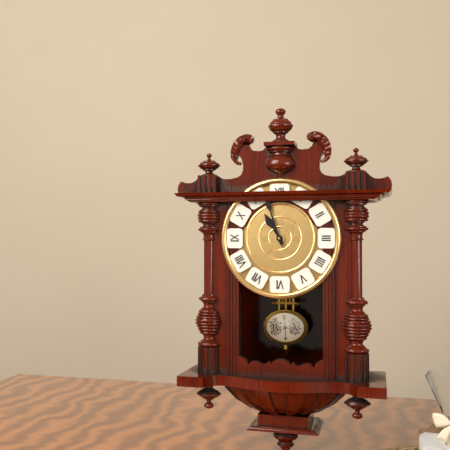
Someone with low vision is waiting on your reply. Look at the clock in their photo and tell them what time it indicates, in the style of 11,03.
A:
10,57
